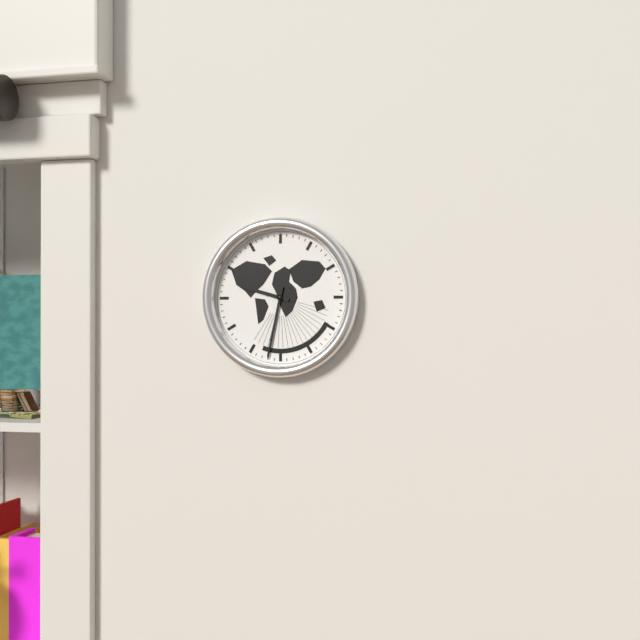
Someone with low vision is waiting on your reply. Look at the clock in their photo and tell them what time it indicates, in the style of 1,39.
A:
9,32
